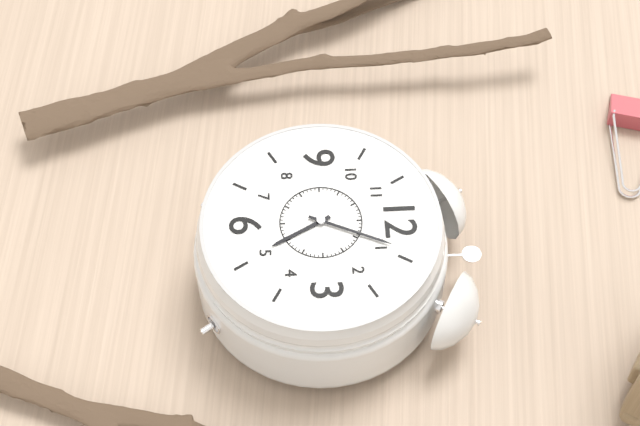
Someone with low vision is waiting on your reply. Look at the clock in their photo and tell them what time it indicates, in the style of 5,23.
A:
5,04
